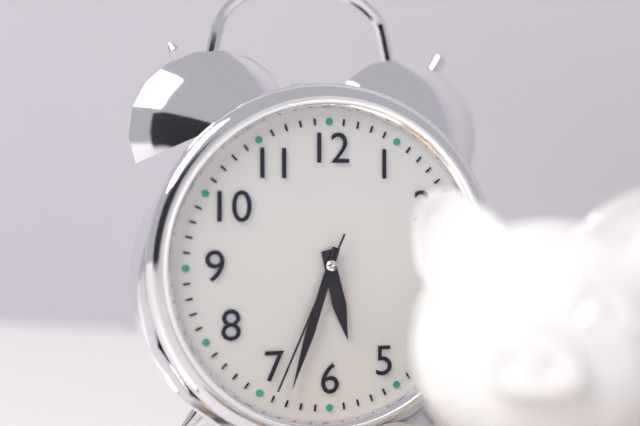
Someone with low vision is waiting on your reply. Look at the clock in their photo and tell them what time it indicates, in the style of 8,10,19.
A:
5,33,34
